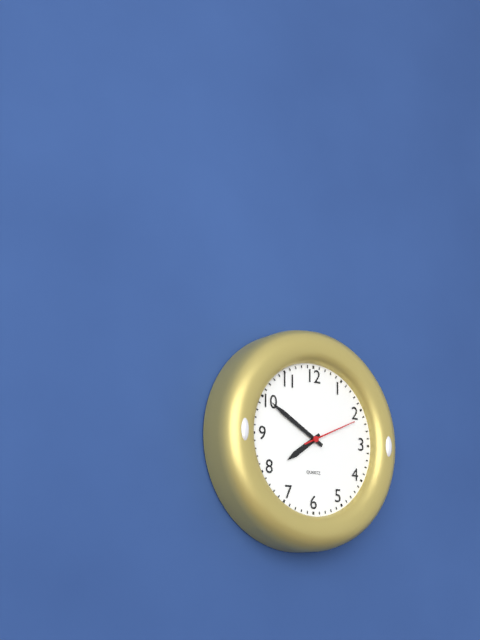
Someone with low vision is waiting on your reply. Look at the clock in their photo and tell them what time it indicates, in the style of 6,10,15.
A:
7,50,11
